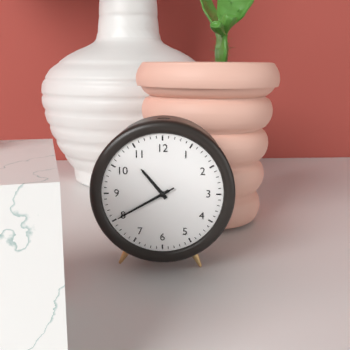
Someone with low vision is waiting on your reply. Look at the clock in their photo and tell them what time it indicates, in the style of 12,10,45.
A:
10,40,40
